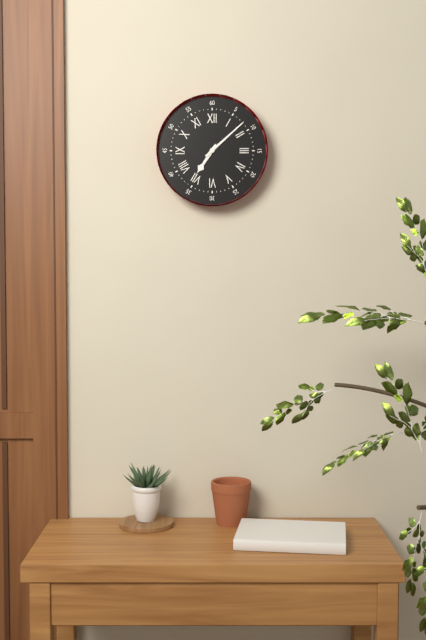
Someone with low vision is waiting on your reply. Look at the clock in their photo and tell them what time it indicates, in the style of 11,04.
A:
7,08
